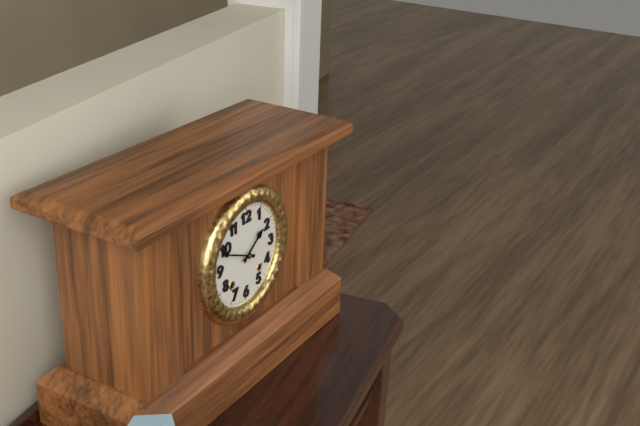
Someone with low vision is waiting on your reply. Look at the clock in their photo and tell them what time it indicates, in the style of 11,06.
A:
1,49
